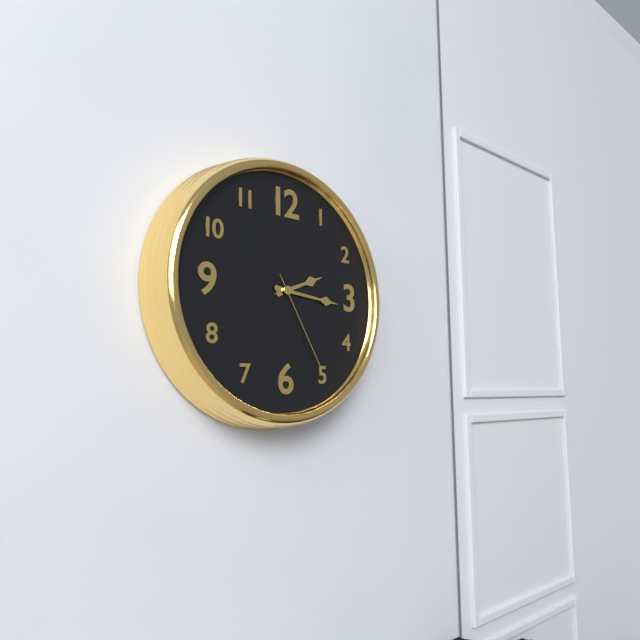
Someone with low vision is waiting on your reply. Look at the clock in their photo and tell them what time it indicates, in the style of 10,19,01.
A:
2,16,25
